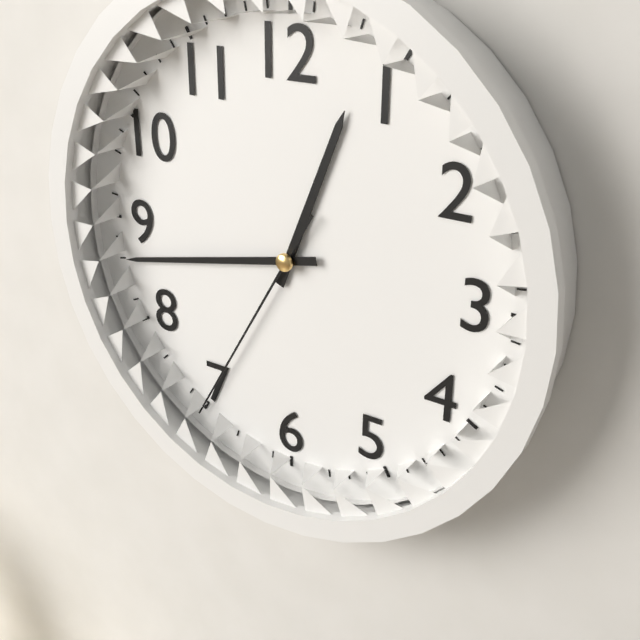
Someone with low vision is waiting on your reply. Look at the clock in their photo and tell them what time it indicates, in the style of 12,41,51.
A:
12,43,35
